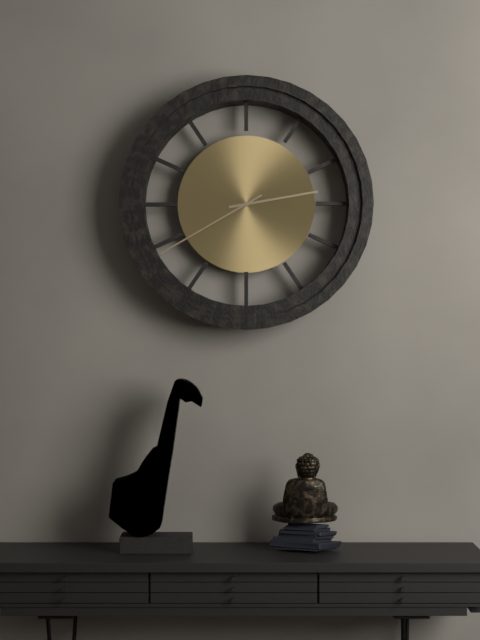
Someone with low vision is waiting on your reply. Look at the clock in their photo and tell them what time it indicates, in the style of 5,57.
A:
2,40
